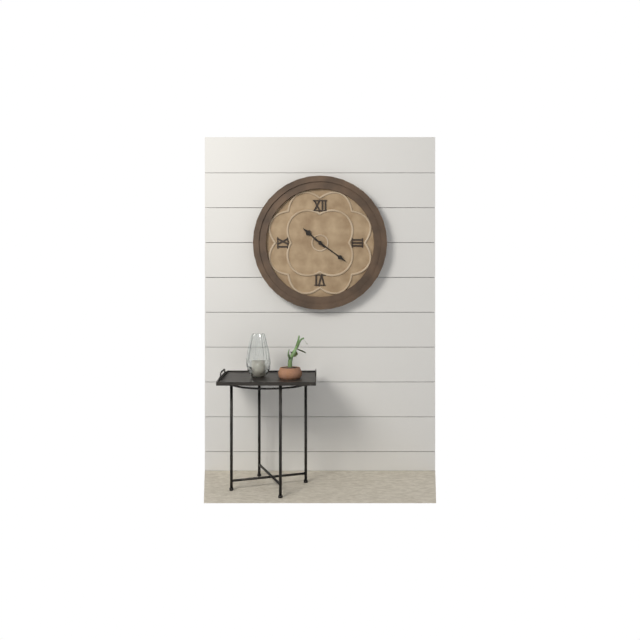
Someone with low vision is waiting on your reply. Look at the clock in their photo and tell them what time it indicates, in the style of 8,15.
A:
10,21
